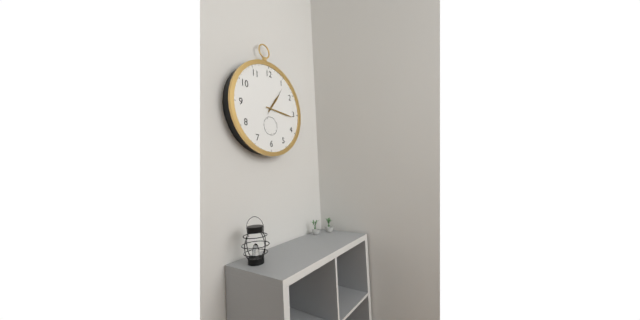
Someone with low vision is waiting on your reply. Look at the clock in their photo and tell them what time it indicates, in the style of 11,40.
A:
1,16
